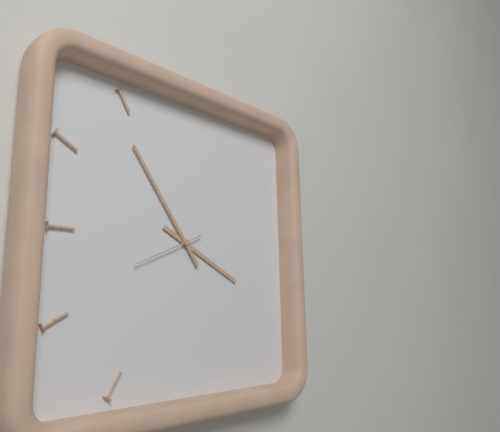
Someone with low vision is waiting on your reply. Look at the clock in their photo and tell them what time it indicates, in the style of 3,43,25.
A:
3,54,41
